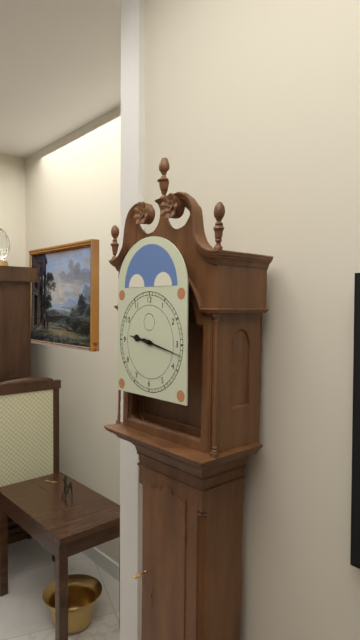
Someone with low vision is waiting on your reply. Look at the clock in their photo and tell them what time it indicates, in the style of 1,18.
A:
9,17
